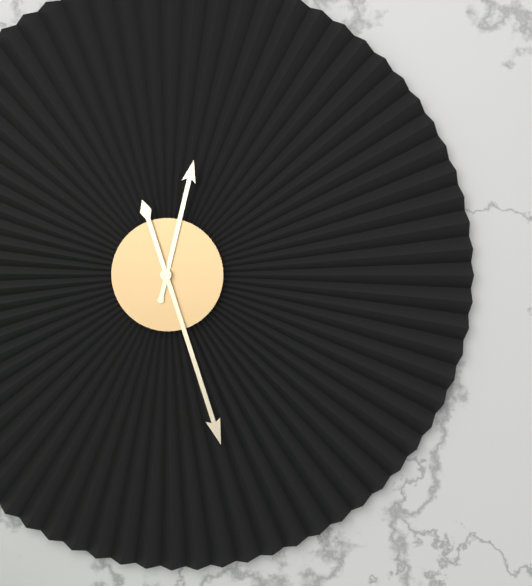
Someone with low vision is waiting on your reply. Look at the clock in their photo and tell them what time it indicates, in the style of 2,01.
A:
12,27
